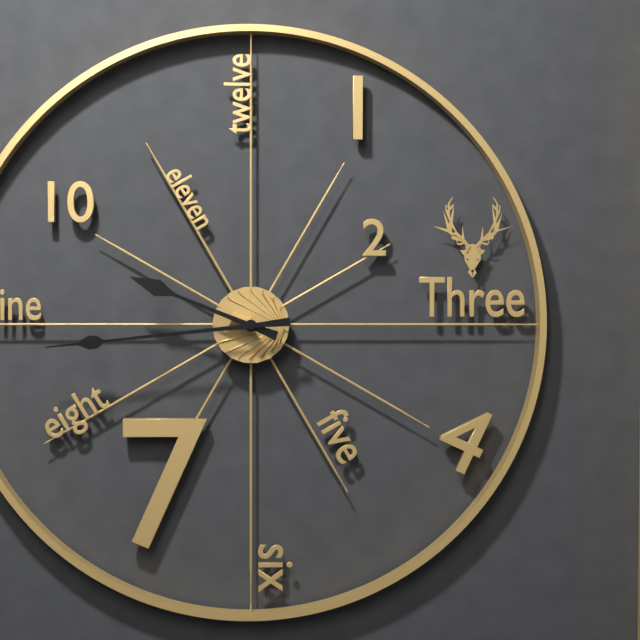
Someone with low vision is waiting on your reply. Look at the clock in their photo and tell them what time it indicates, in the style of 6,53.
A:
9,44
